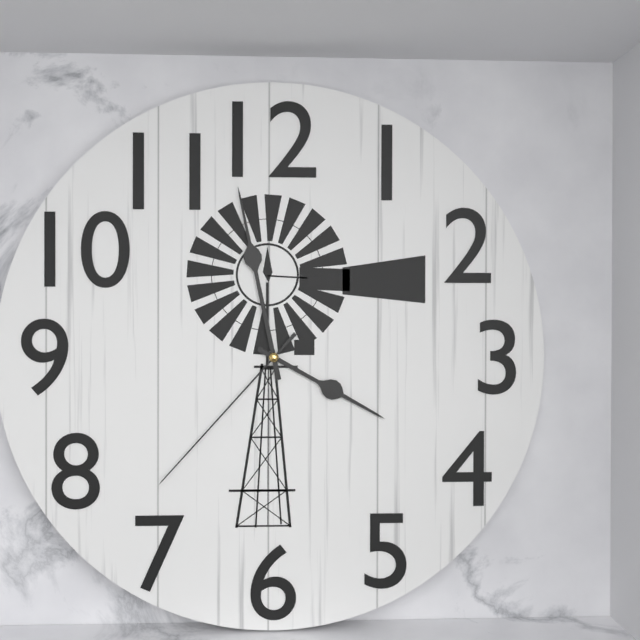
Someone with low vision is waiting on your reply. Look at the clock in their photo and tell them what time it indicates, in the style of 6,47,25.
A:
3,58,37
